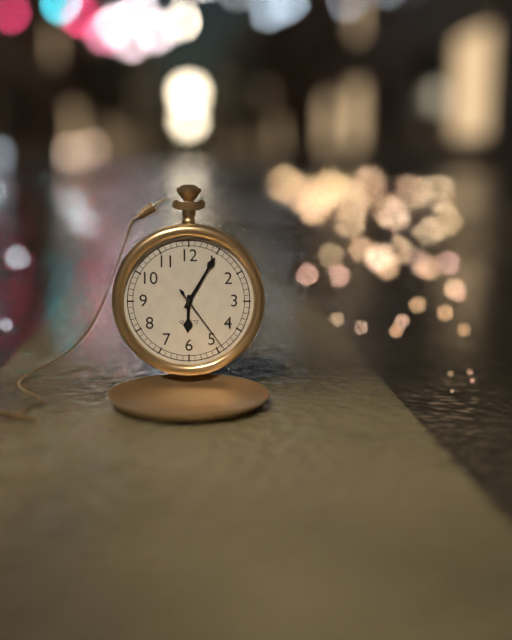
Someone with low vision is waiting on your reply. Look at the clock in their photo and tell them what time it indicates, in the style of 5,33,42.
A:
6,05,24
